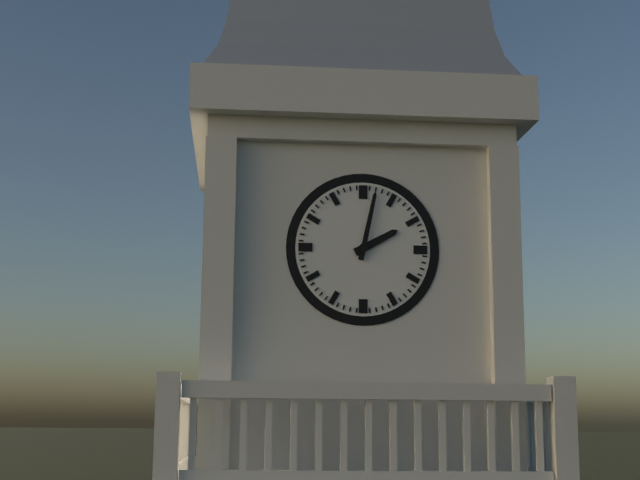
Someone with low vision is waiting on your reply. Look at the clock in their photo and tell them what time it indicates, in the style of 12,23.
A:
2,02
